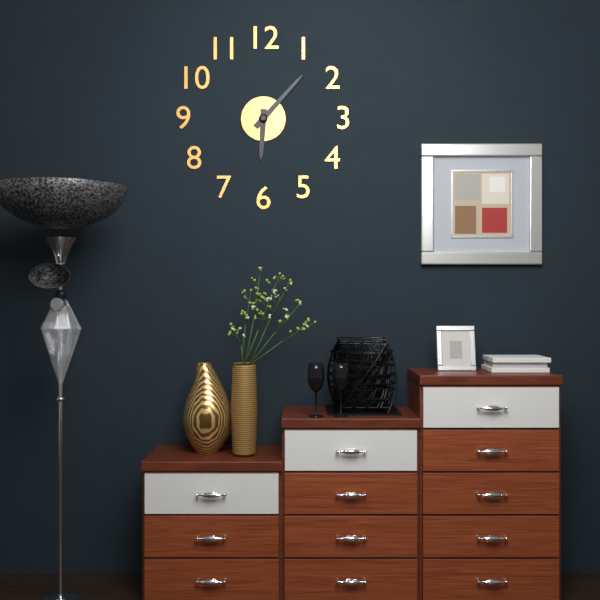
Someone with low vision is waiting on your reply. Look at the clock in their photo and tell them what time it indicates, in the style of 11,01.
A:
6,07
